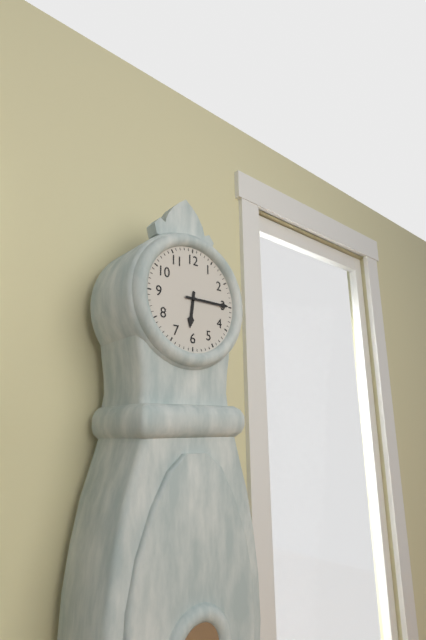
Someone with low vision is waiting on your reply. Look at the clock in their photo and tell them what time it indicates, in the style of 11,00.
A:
6,15
